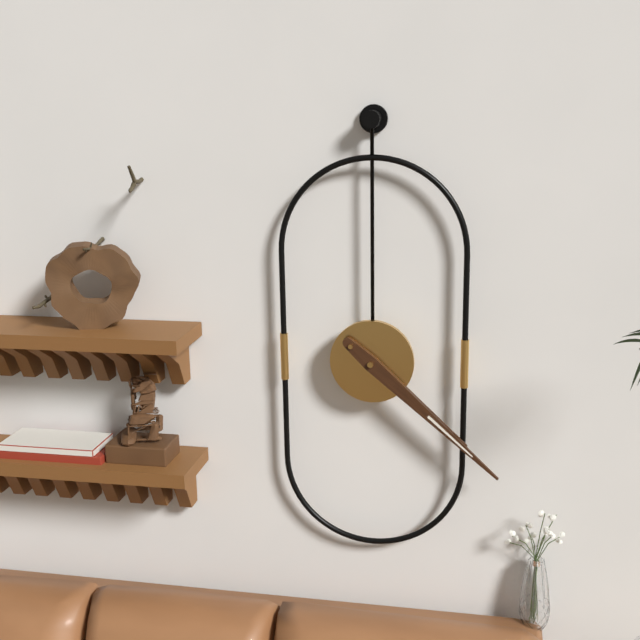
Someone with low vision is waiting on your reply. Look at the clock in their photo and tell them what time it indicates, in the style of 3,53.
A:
4,22
